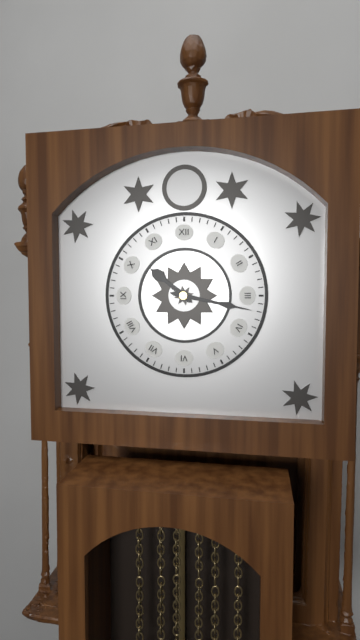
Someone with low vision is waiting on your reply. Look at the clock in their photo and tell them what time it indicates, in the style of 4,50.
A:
10,17
